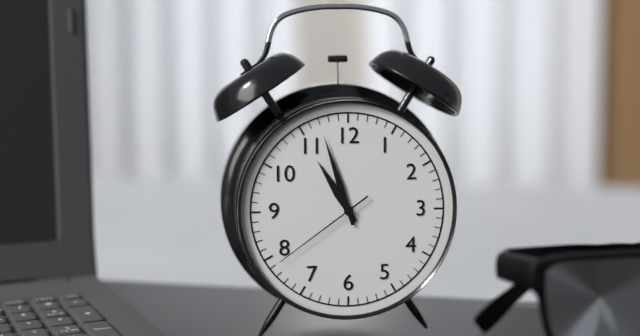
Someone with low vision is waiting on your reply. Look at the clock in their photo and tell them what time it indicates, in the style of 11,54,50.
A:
10,57,39
